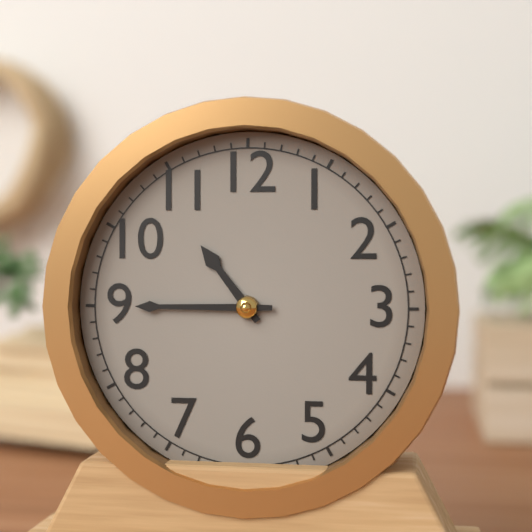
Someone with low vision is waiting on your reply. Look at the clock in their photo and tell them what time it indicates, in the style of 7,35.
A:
10,45
